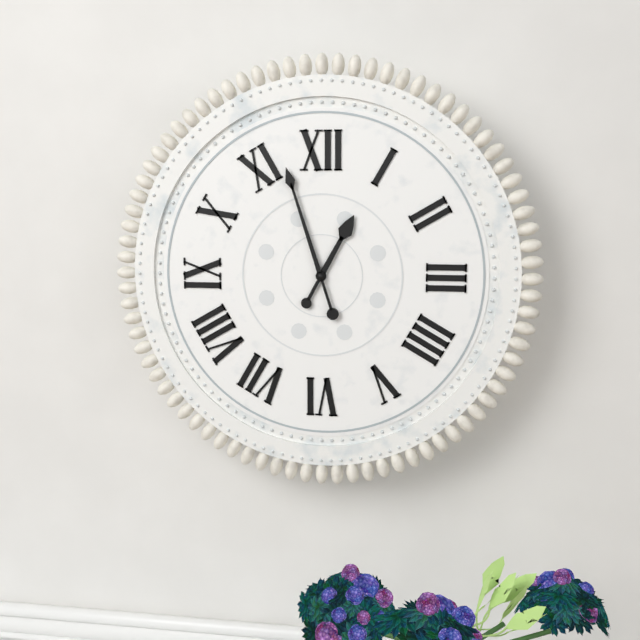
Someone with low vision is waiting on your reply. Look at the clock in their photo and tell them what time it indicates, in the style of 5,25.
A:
12,57
